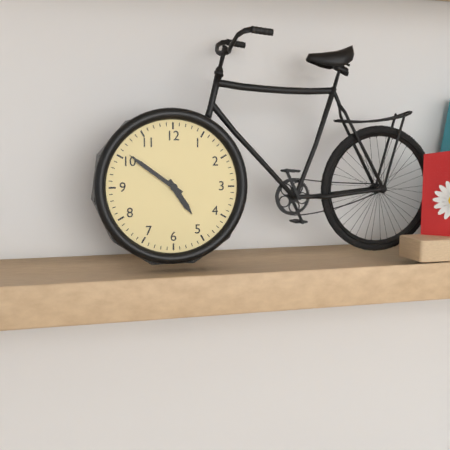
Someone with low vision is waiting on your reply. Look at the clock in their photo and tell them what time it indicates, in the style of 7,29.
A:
4,51
